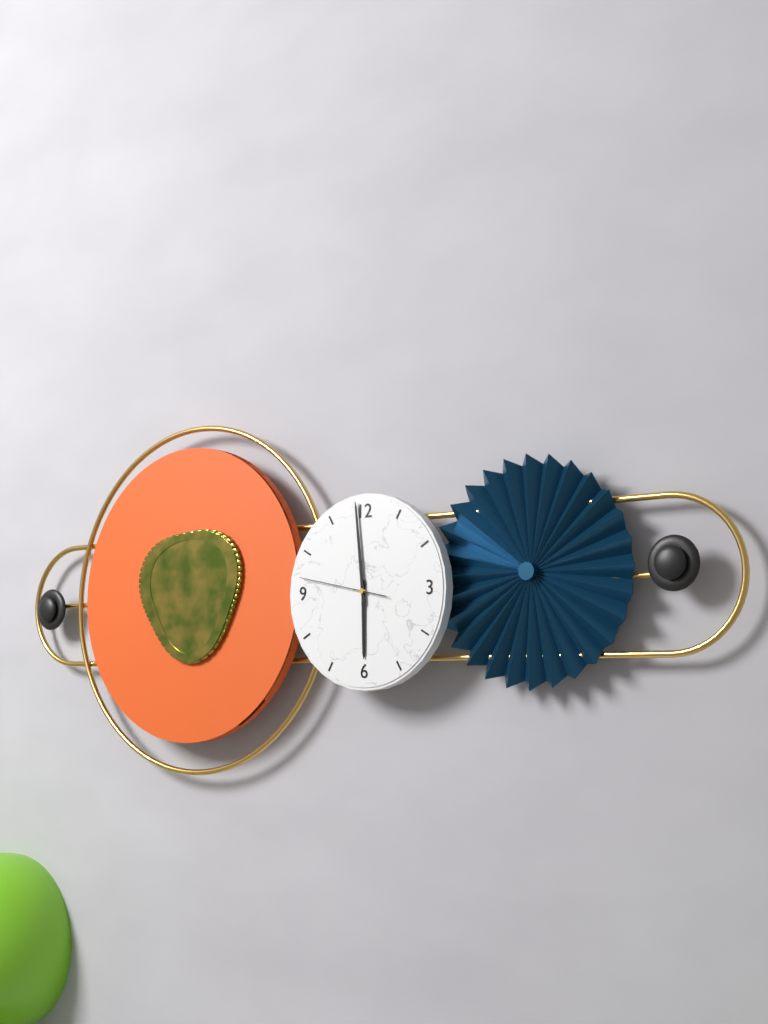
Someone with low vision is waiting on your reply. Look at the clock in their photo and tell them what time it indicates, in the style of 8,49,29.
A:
5,59,47
